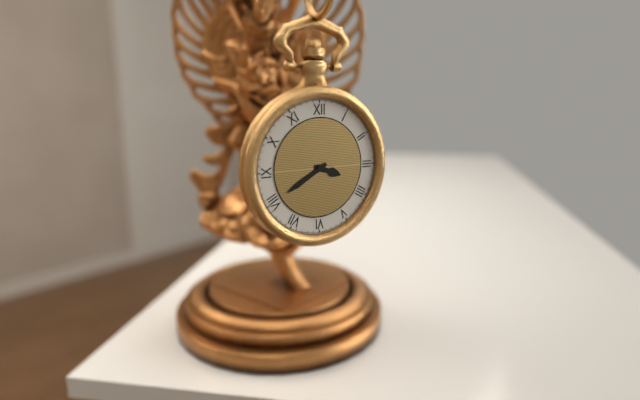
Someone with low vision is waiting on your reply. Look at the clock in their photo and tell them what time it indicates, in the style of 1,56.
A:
3,40
